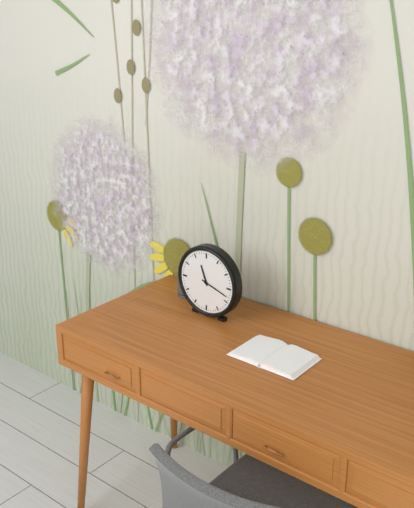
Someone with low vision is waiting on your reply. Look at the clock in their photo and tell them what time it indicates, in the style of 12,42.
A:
11,18
